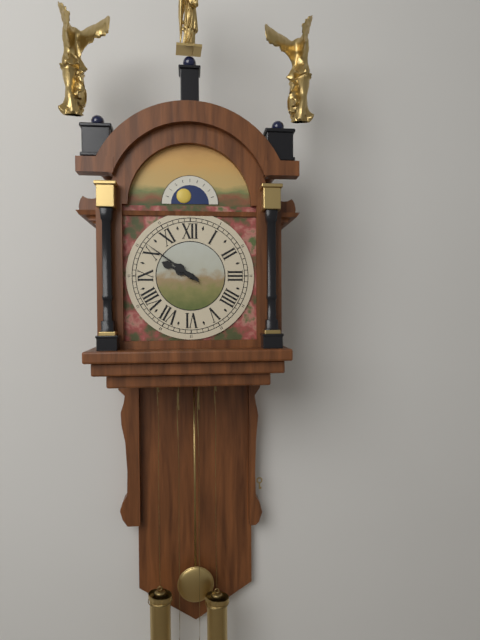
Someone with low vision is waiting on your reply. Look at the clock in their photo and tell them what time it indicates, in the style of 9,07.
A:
9,51
